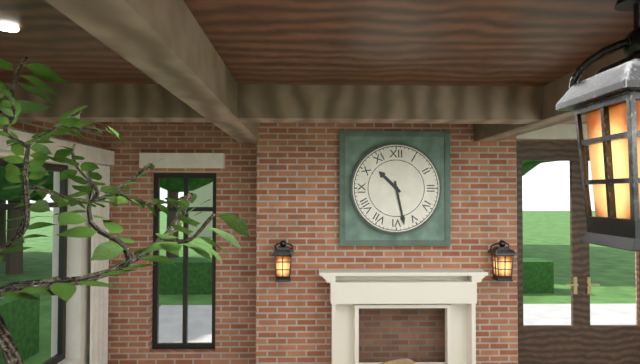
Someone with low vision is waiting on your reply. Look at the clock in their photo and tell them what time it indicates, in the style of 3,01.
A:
10,28
